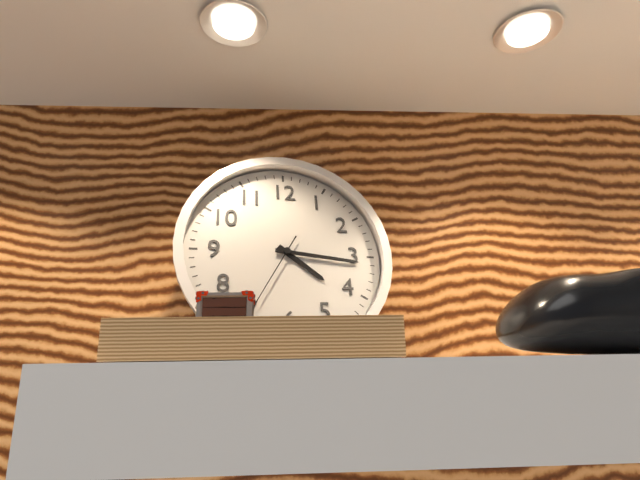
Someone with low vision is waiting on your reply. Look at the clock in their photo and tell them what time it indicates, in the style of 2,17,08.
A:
4,16,35
